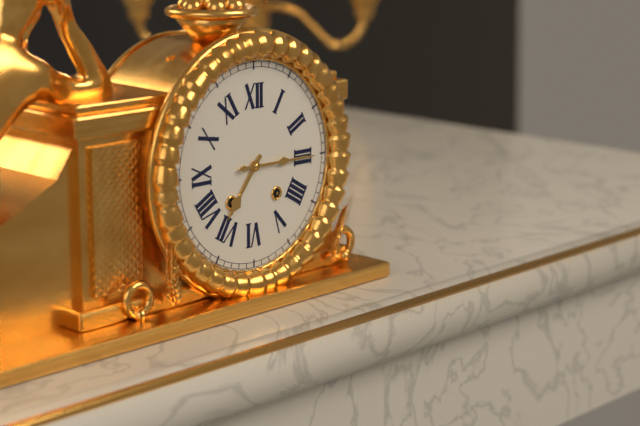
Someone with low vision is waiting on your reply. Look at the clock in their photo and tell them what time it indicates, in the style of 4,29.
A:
7,15
